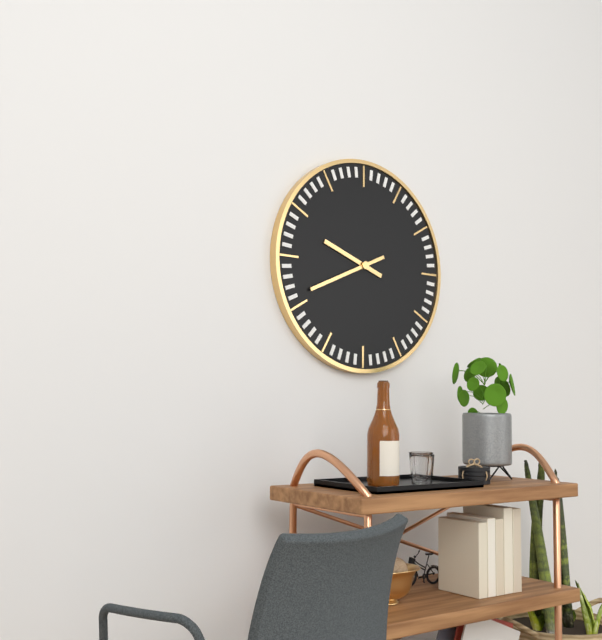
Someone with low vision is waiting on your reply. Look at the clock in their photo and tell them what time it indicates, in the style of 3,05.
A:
9,41
